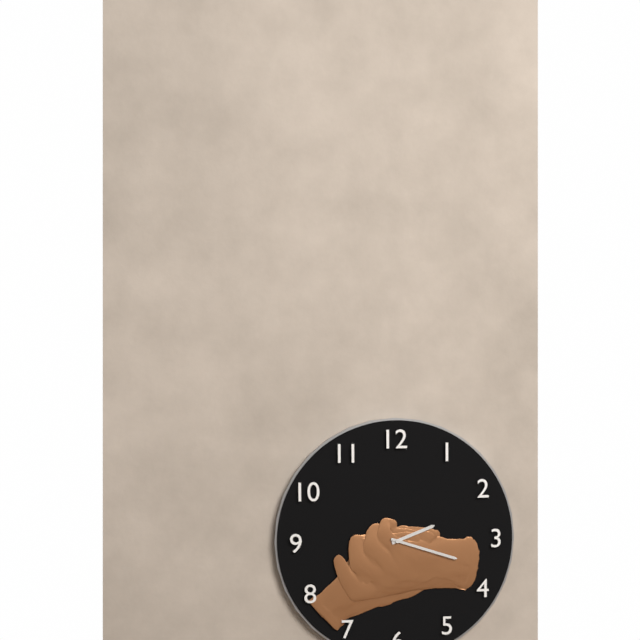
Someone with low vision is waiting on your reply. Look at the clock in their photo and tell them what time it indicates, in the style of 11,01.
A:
2,18
